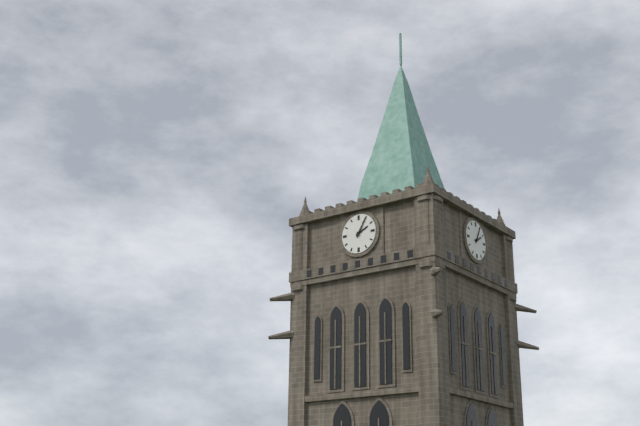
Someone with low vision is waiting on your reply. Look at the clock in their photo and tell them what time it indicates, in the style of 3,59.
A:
2,05
